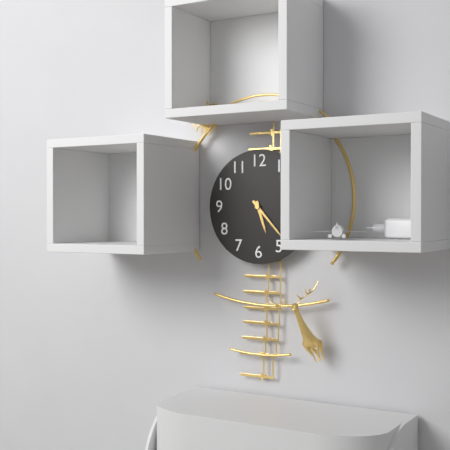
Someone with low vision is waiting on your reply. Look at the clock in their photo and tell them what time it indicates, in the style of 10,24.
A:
5,23
